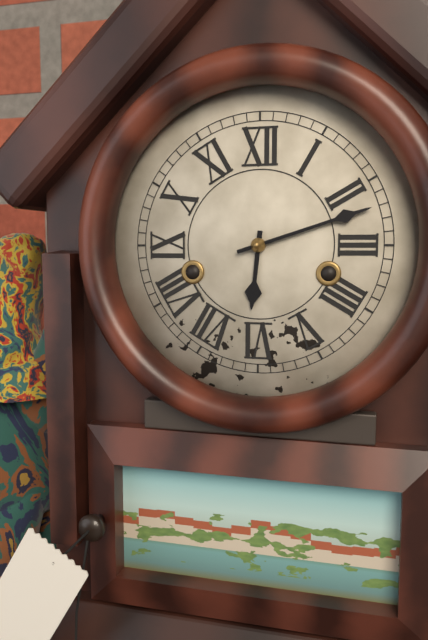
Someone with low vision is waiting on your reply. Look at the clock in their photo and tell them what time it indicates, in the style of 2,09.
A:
6,12
